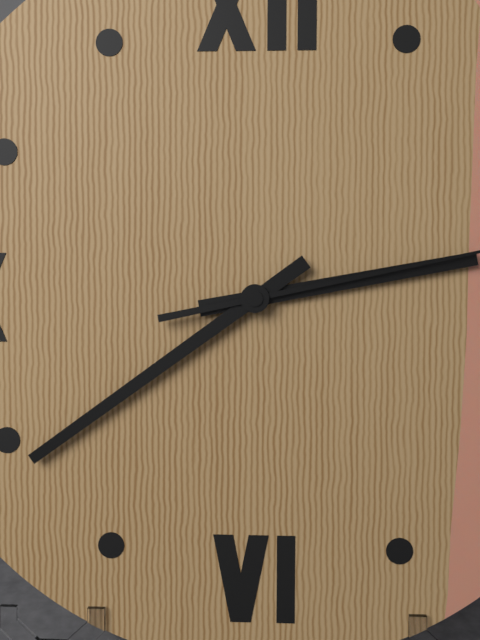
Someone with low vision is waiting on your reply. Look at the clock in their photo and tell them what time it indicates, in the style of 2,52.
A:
2,39
